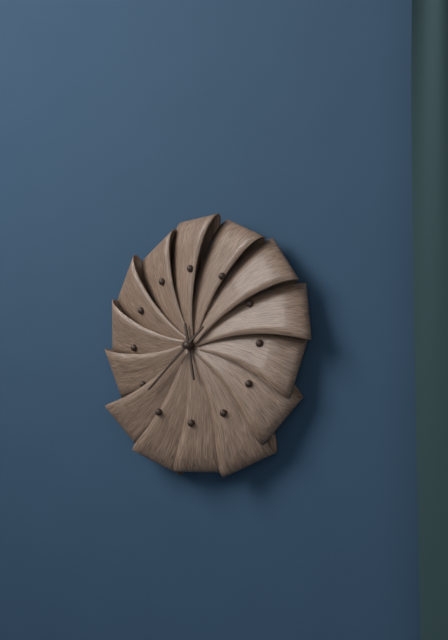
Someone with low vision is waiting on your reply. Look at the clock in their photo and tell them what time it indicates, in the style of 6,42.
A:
5,38
